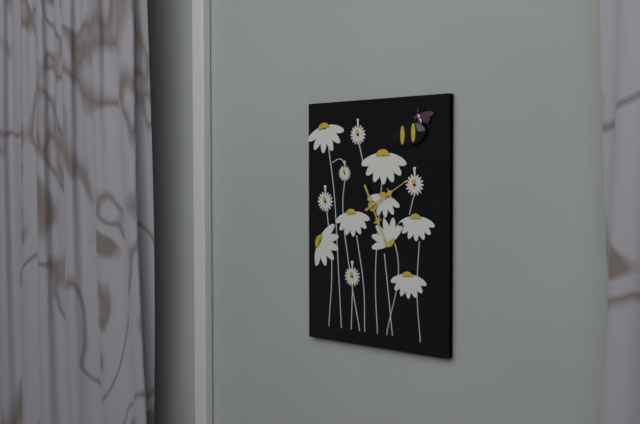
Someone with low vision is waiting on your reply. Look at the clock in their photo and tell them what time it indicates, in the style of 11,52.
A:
5,10
